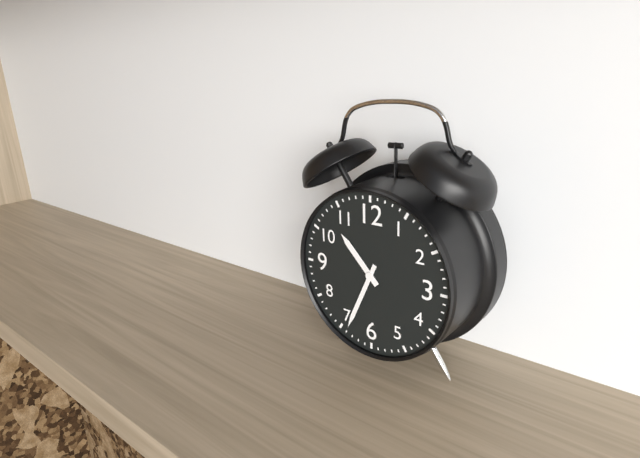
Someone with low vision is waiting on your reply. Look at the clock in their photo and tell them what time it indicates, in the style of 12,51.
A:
10,34
